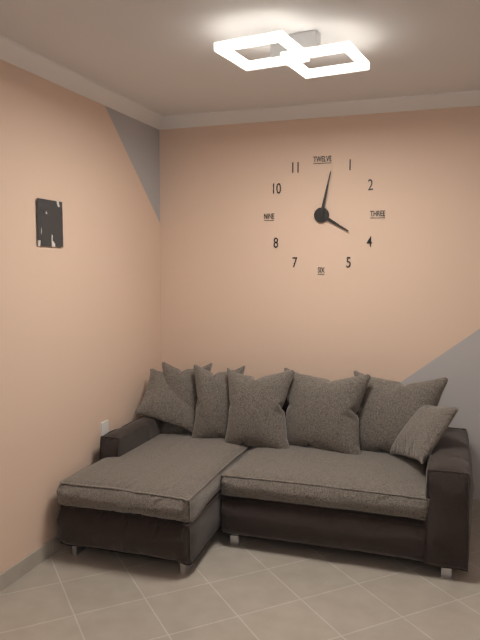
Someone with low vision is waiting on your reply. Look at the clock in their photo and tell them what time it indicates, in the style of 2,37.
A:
4,02
